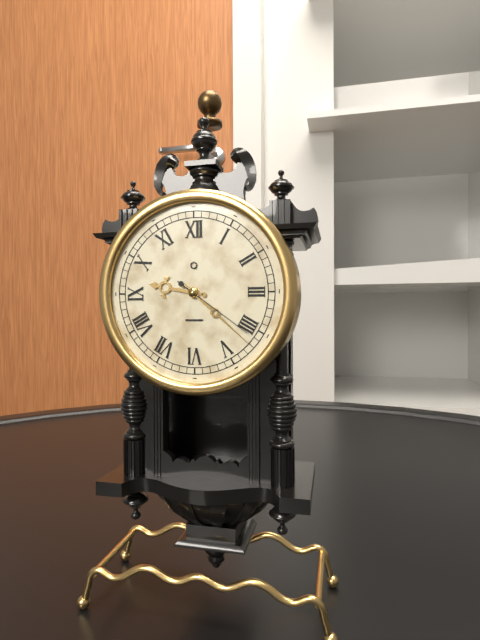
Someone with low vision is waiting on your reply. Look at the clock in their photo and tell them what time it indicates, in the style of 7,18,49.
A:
9,22,21
